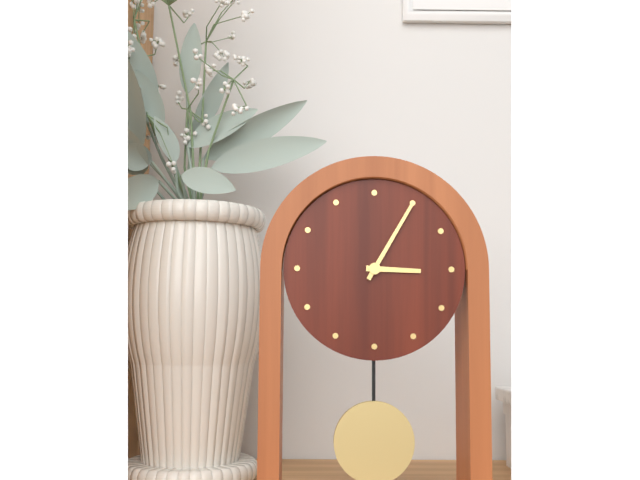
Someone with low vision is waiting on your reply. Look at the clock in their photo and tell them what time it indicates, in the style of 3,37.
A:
3,05
